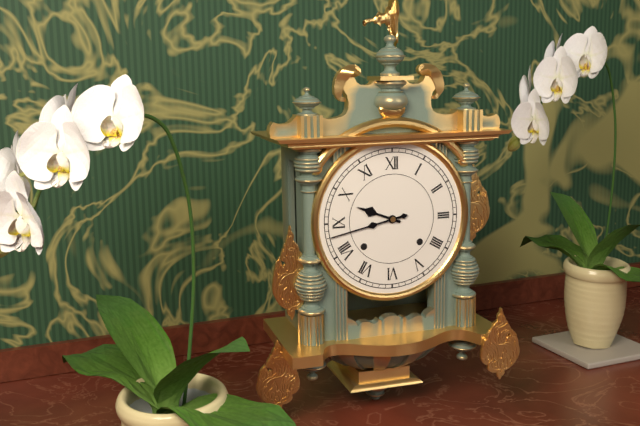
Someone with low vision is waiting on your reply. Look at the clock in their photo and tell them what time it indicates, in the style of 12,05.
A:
9,43
